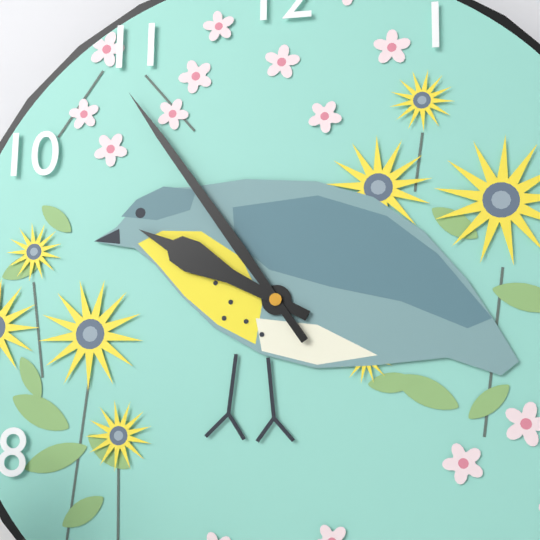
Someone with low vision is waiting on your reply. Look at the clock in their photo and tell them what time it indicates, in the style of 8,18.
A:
9,54
